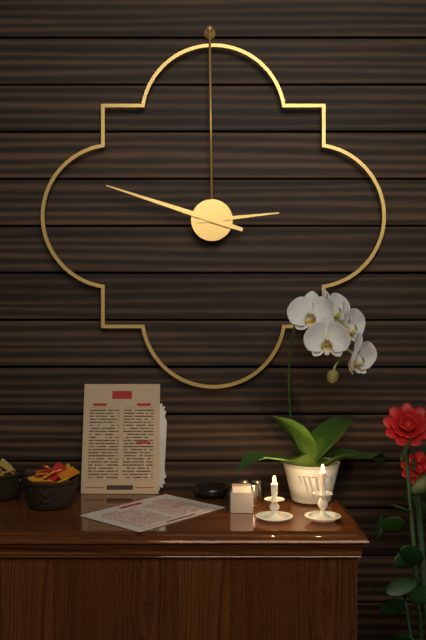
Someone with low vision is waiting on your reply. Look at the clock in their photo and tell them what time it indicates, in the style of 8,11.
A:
2,48
